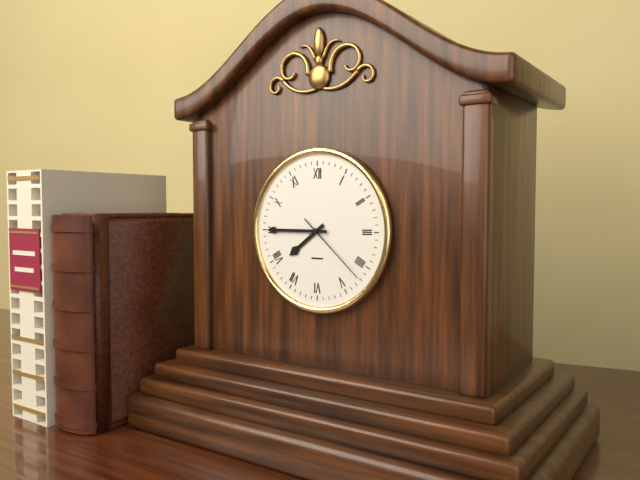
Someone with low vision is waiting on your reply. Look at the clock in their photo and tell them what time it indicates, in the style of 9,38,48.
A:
7,45,22
